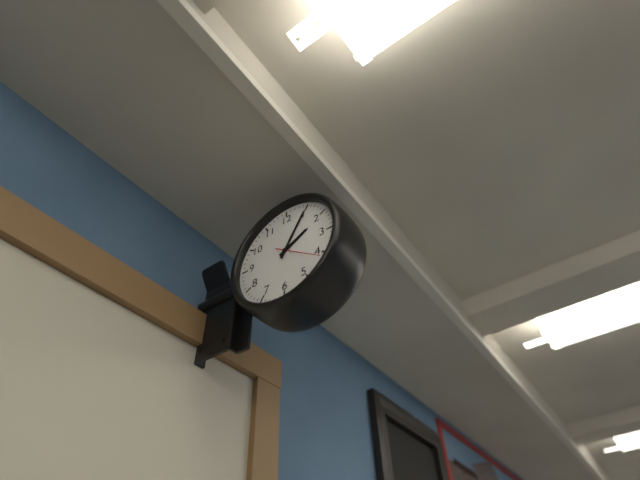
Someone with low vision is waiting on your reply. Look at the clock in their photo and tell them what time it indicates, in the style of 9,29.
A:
2,05
